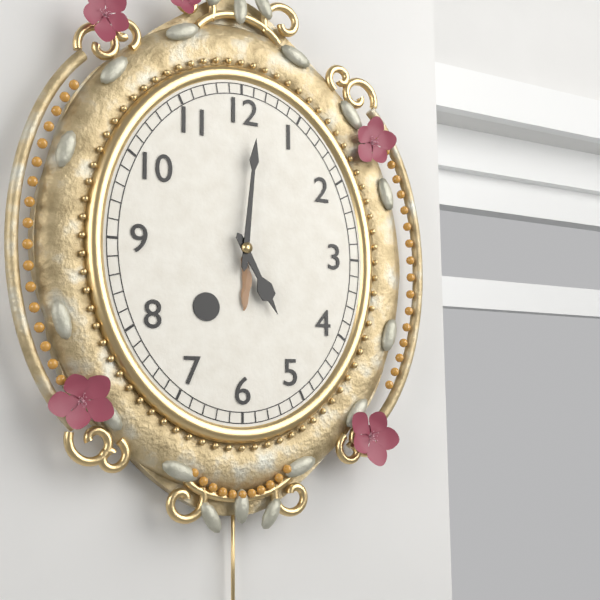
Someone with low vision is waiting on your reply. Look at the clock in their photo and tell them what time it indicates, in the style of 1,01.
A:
5,01
